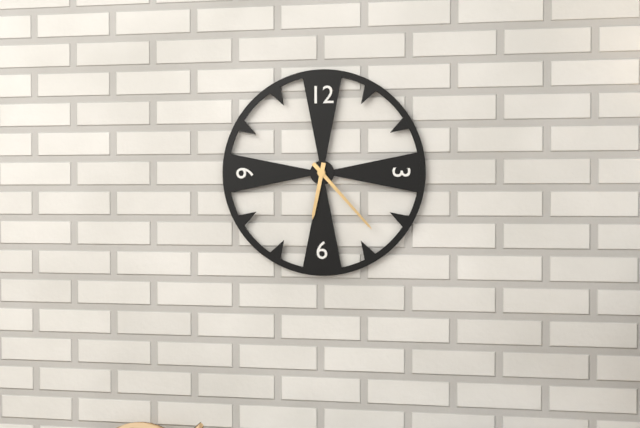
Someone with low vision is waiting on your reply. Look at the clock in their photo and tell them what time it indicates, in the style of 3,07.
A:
6,23
